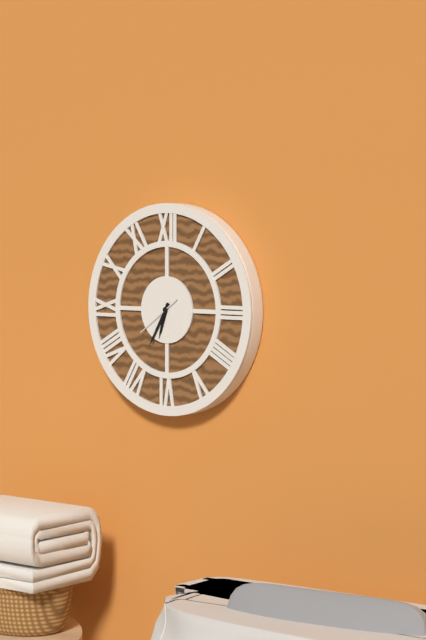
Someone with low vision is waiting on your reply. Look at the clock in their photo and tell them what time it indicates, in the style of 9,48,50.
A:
6,35,39
